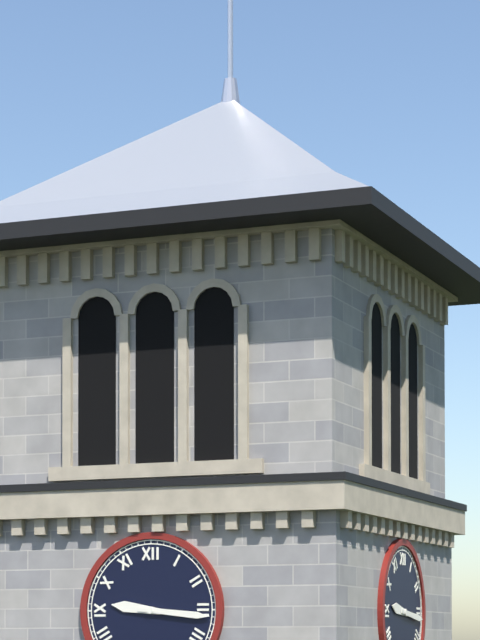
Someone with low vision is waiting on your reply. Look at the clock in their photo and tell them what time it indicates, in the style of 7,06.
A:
9,16
